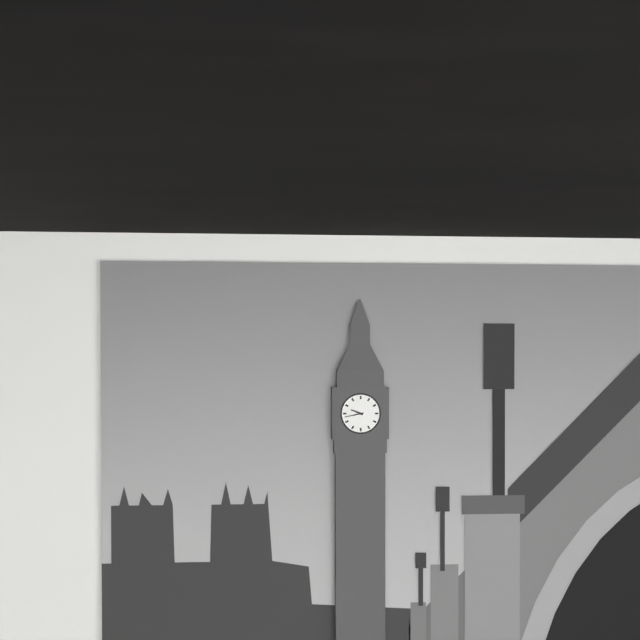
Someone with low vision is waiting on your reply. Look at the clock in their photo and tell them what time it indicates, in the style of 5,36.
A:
9,43
